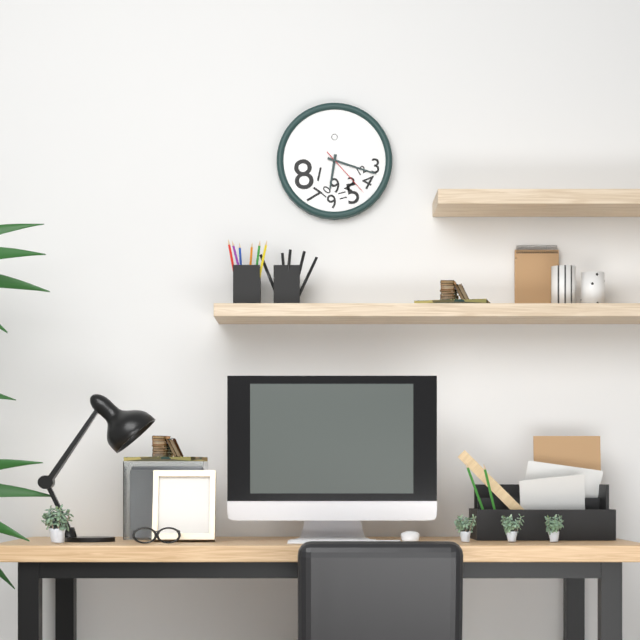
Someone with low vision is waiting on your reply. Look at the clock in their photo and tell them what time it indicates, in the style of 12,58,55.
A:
6,18,23
